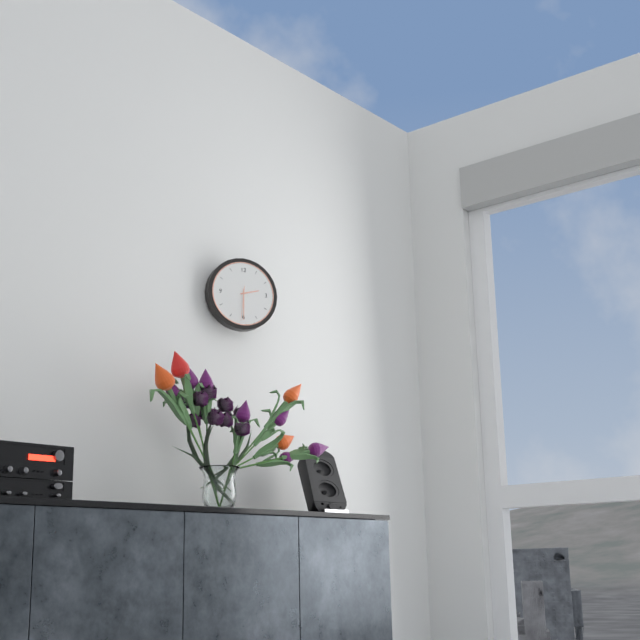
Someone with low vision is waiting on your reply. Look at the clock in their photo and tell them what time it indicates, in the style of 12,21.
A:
2,30
